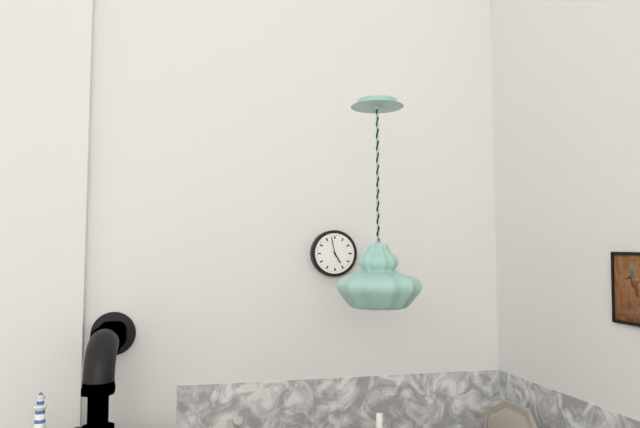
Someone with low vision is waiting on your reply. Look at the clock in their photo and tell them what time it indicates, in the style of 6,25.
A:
4,58
